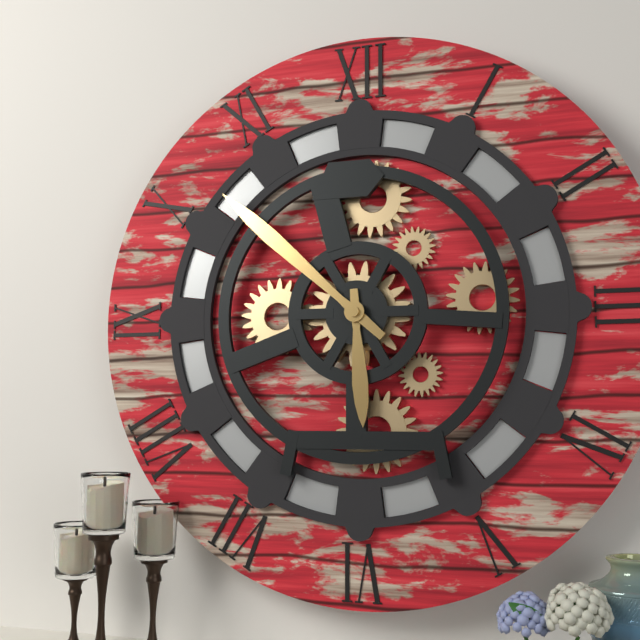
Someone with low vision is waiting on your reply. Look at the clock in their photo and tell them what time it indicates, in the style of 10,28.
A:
5,52
